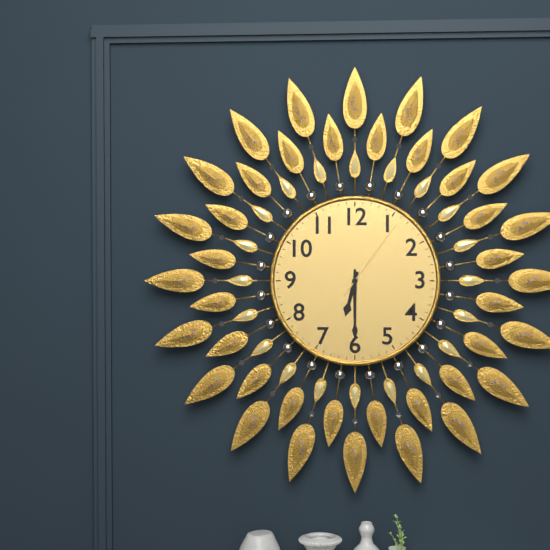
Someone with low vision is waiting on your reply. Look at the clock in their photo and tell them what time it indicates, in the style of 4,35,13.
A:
6,30,06
